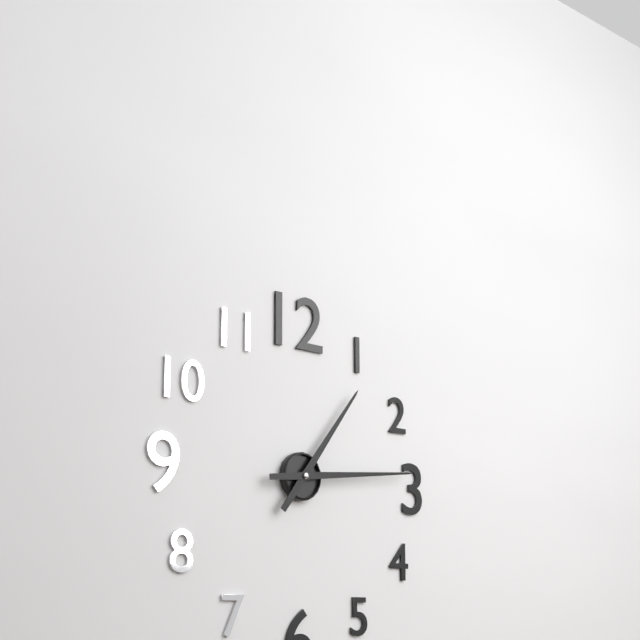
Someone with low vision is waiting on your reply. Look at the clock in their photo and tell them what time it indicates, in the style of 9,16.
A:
1,14
